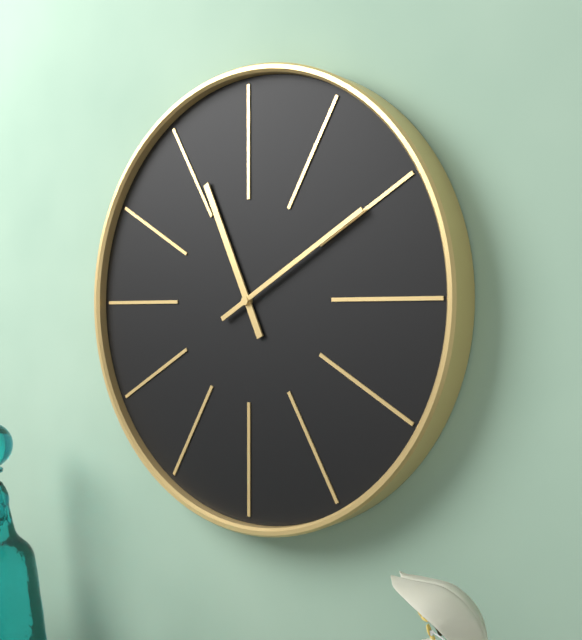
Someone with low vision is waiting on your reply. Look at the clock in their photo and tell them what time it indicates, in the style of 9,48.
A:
11,10
